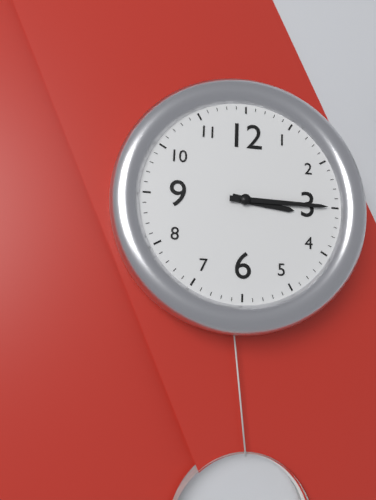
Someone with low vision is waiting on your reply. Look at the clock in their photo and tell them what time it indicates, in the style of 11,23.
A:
3,15
